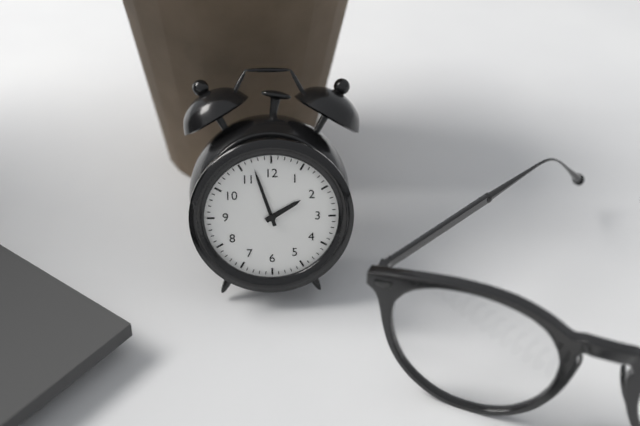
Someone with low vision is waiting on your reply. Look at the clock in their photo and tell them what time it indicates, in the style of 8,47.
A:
1,57
